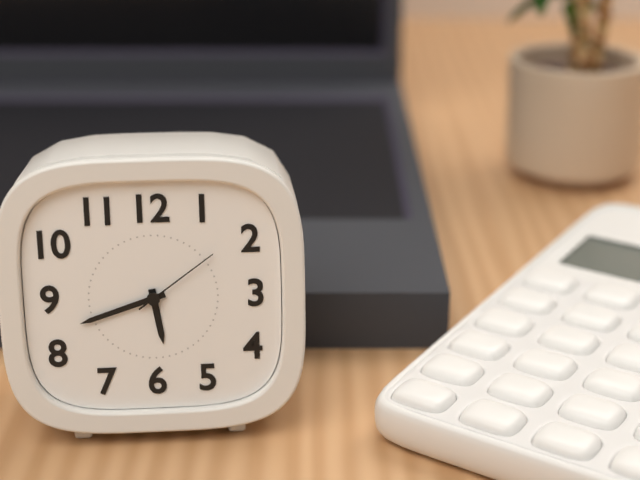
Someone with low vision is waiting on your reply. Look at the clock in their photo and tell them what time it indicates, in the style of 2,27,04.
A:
5,42,09
